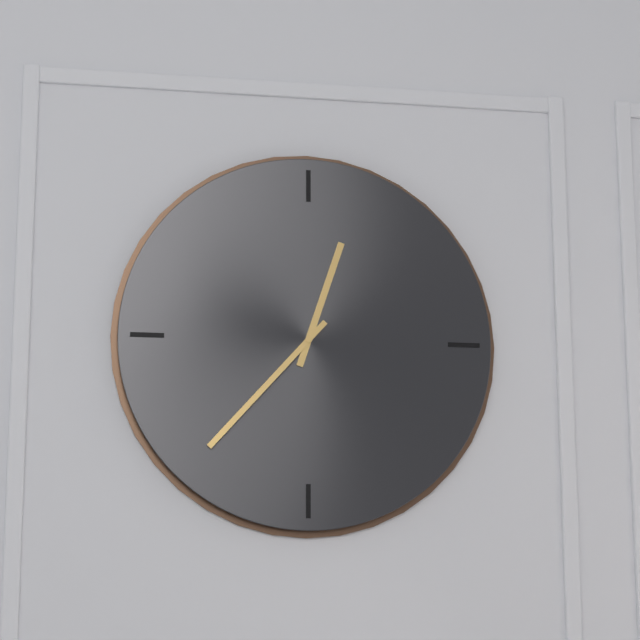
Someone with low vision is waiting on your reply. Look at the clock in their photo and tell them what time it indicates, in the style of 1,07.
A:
12,37
